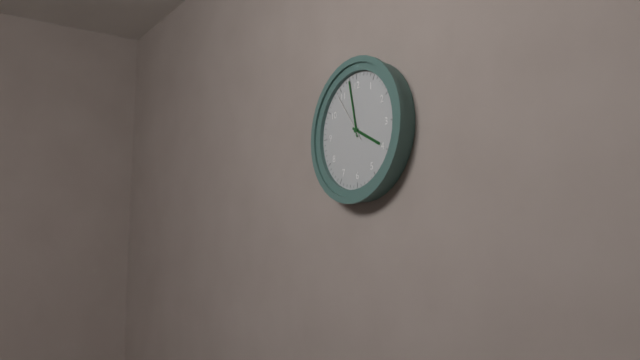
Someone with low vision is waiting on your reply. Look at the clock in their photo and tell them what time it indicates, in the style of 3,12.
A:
3,58
